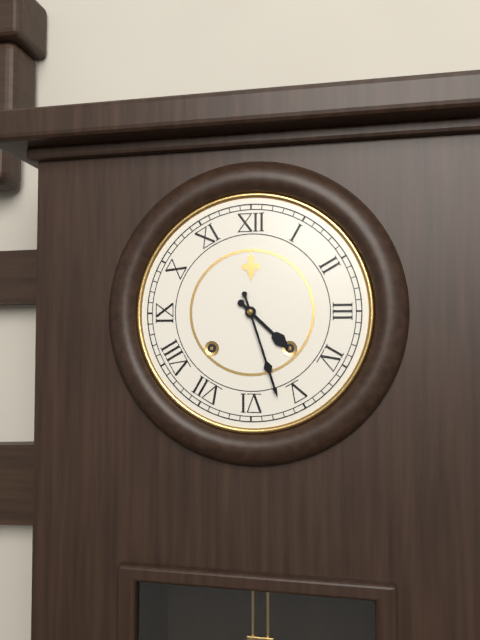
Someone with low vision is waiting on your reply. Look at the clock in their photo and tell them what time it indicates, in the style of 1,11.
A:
4,27
